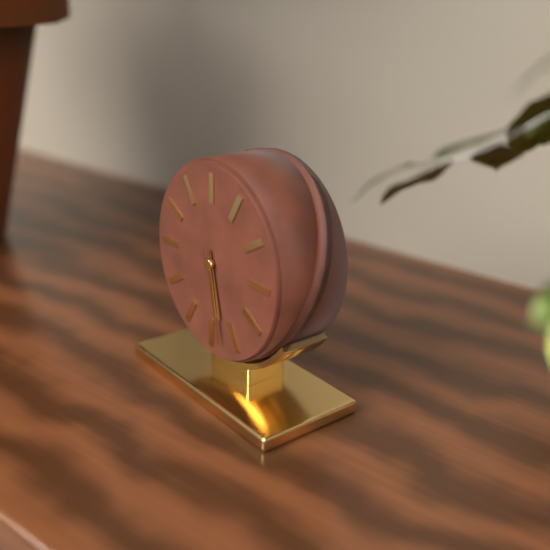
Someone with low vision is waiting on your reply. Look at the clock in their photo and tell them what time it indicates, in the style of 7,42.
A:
5,28
